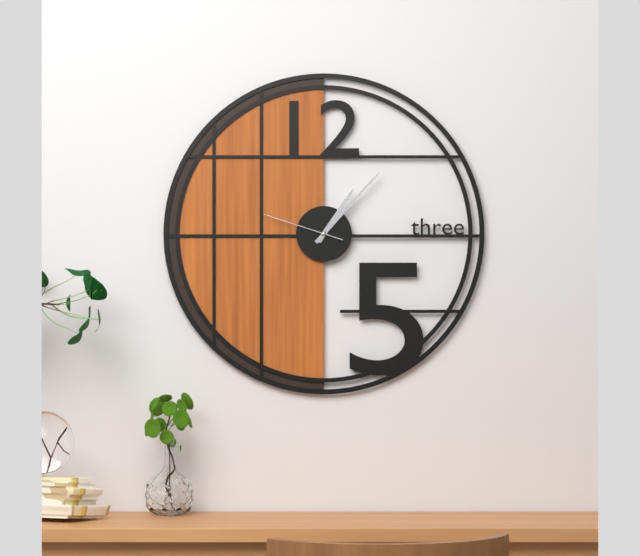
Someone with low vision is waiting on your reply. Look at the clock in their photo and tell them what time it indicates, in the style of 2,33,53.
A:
1,07,48
